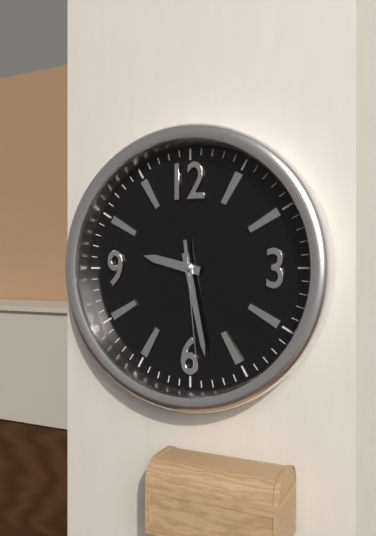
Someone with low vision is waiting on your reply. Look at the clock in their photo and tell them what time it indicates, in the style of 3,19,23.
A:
9,28,29
